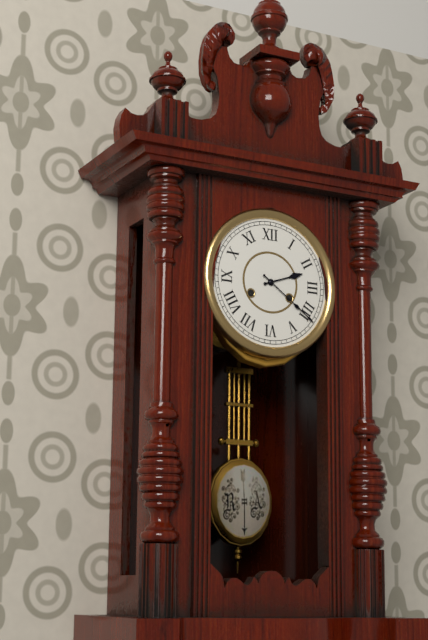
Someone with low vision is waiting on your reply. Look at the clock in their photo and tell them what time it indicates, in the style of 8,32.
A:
2,21
